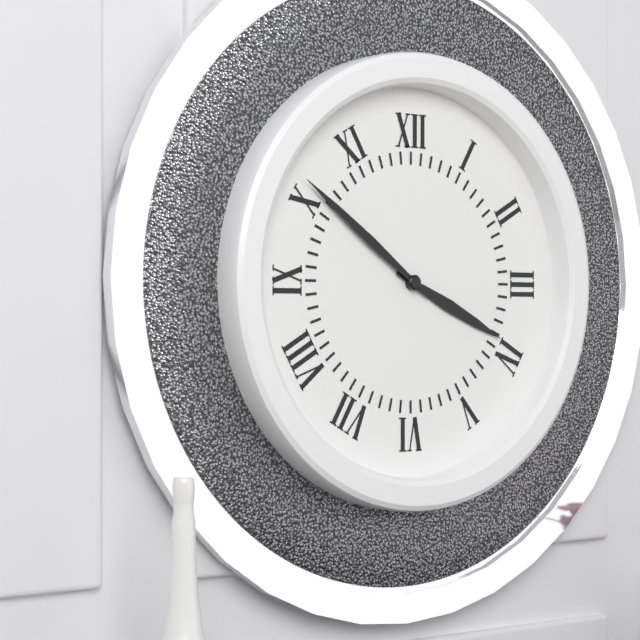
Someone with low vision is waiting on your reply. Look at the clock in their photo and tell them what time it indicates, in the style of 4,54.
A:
3,51
